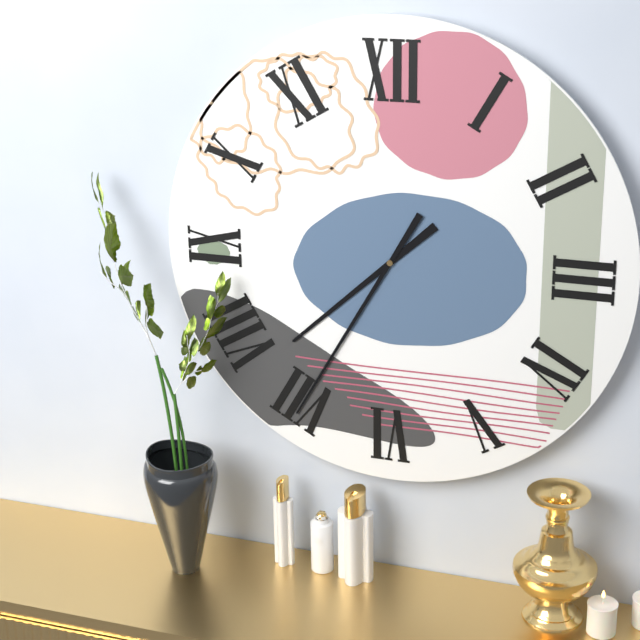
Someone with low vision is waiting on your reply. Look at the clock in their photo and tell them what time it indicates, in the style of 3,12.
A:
7,35
